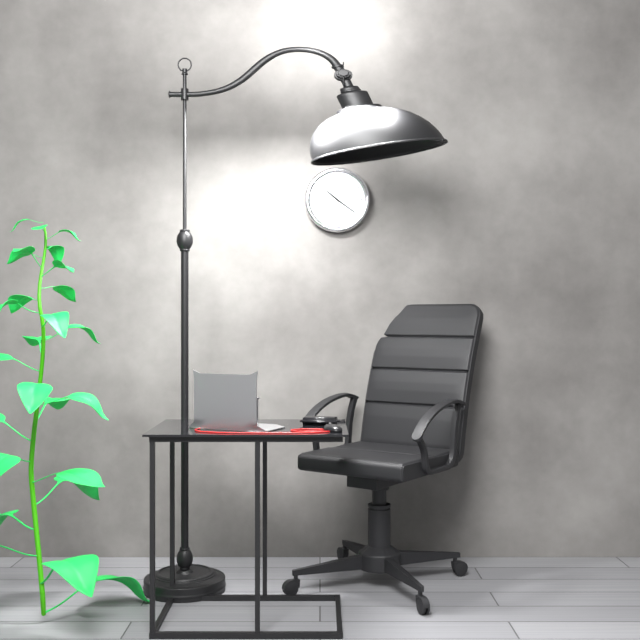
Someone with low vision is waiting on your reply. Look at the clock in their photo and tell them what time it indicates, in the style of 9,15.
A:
10,21
